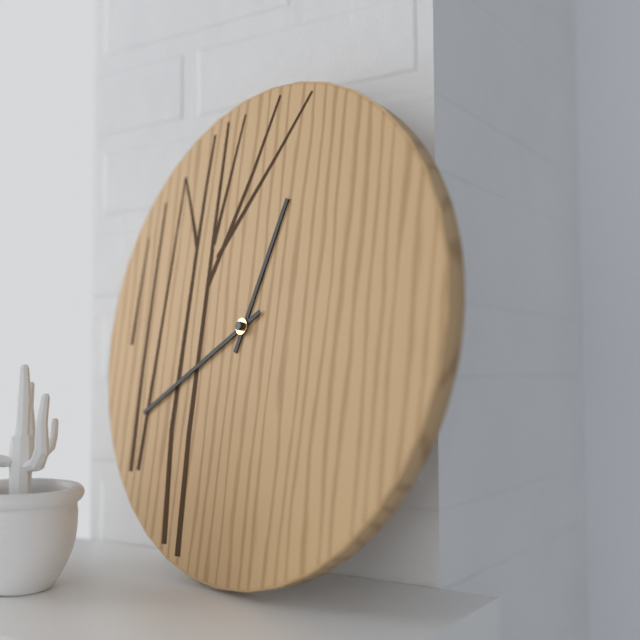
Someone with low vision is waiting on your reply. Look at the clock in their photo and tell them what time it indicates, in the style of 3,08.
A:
12,40
